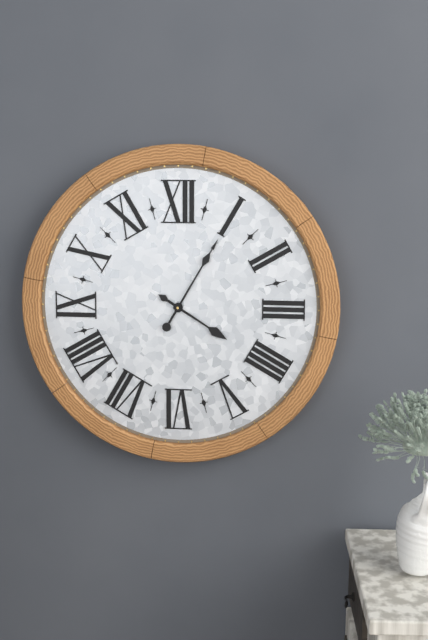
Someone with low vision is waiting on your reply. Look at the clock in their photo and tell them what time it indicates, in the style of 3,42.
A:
4,05
